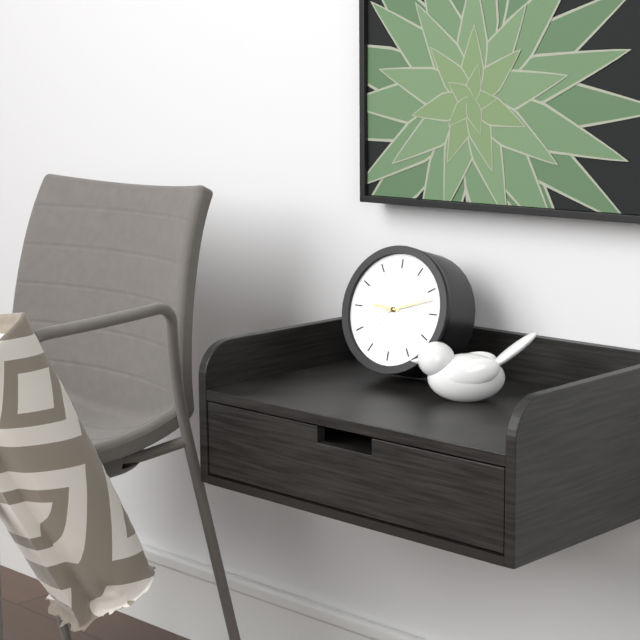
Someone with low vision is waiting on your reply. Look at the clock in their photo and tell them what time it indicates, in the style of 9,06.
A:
9,12
